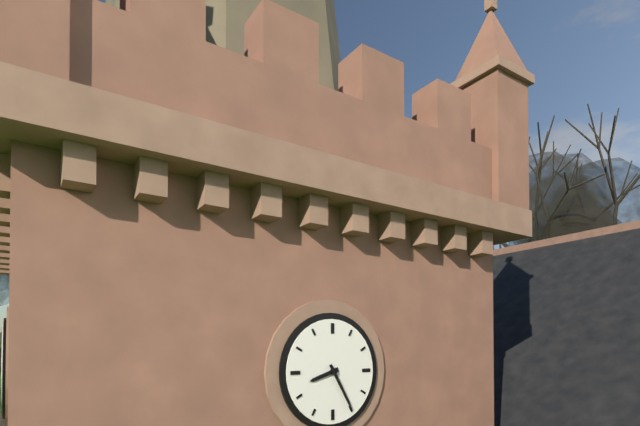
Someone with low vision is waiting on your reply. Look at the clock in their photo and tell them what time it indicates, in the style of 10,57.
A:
8,25
